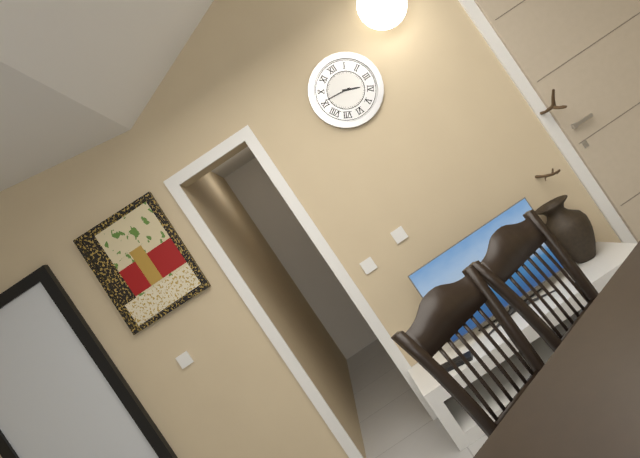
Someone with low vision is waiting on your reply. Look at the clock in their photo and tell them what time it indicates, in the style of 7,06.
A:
3,46
